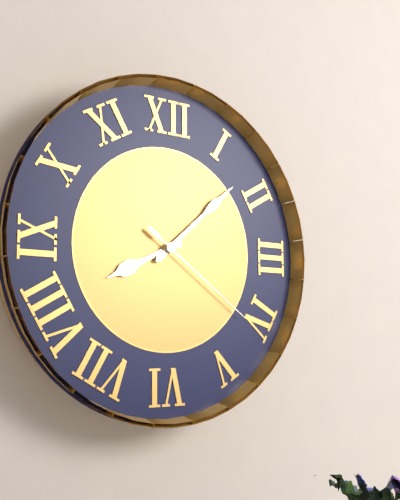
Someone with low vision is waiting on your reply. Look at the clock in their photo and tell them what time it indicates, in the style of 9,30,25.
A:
8,08,21
